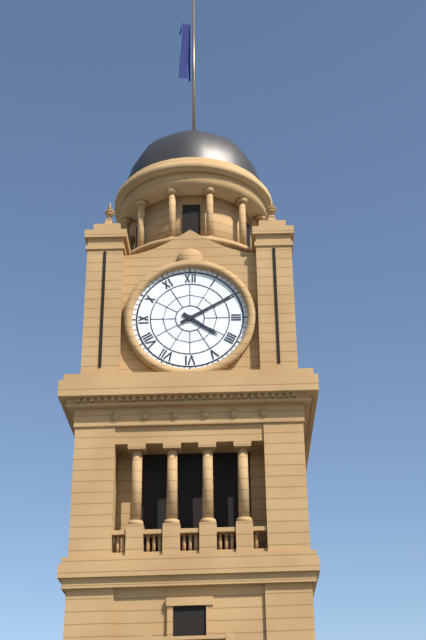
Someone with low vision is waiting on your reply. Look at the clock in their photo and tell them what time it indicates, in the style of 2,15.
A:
4,10
